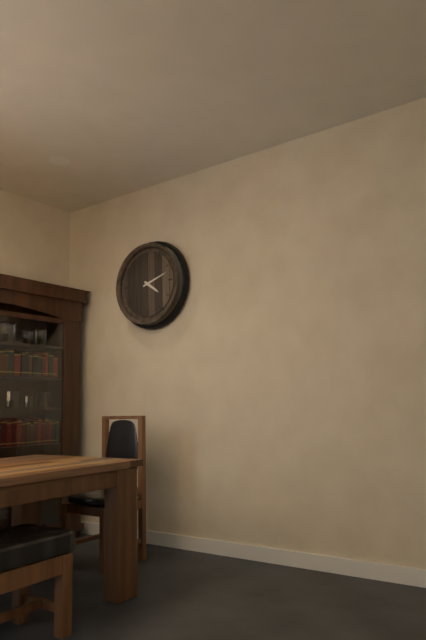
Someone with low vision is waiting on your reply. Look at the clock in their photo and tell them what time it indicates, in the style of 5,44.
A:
4,12
